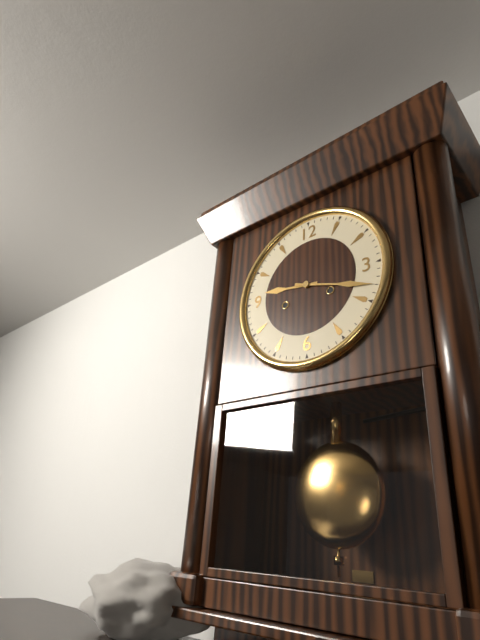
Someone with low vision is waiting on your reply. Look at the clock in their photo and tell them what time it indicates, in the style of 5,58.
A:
9,18
